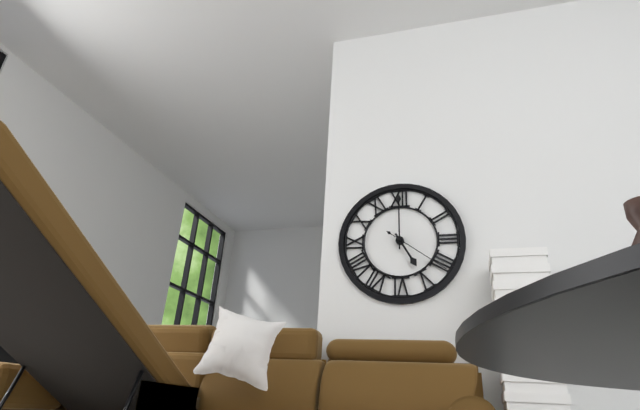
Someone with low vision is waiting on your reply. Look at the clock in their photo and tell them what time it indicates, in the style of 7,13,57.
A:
5,00,21
